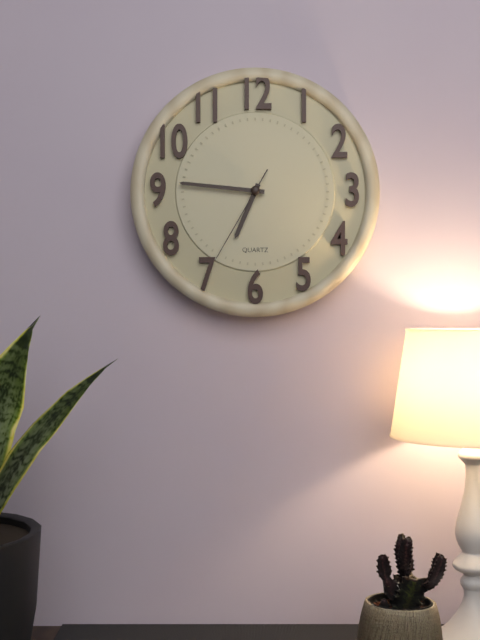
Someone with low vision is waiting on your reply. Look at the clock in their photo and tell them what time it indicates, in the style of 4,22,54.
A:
6,46,35
